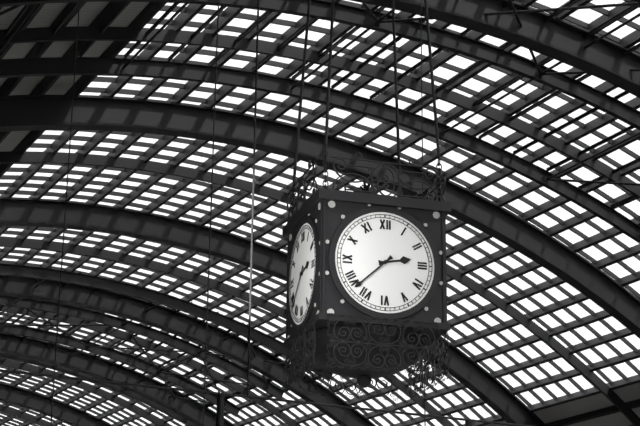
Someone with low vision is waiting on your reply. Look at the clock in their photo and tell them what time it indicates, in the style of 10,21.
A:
2,38
